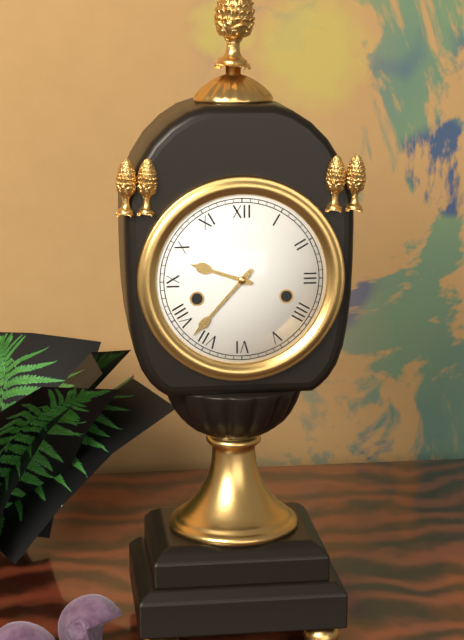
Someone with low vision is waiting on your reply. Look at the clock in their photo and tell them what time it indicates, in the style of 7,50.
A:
9,37
